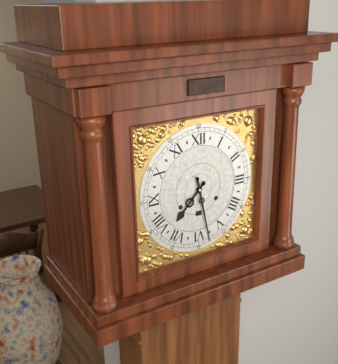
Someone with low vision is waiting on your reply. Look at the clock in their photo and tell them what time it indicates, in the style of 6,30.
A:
7,28
